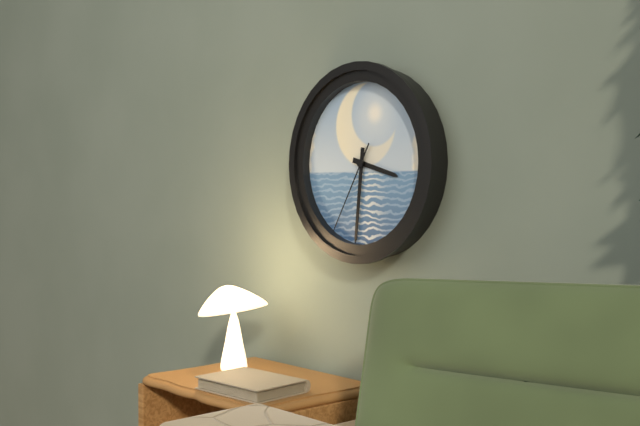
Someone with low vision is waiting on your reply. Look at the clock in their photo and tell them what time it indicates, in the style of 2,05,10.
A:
3,31,35
